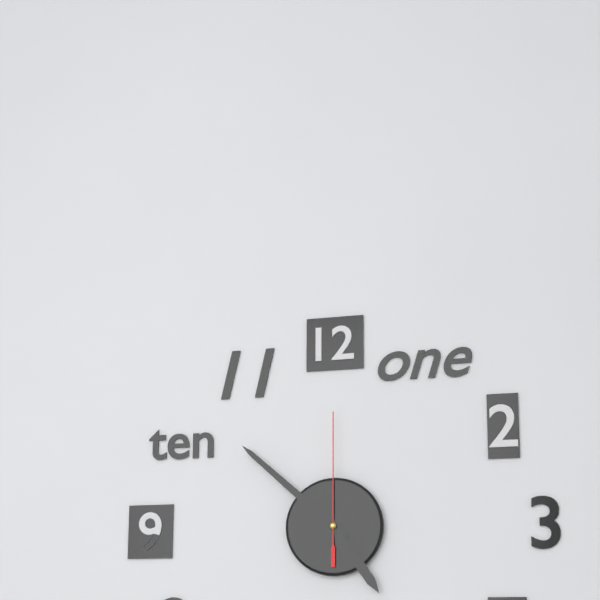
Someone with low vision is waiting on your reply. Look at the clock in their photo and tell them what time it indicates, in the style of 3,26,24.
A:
4,52,00
